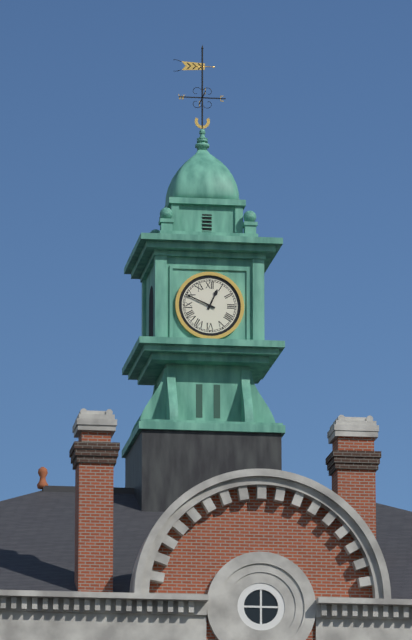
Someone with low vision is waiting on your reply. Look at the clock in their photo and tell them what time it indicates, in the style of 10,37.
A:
12,49
